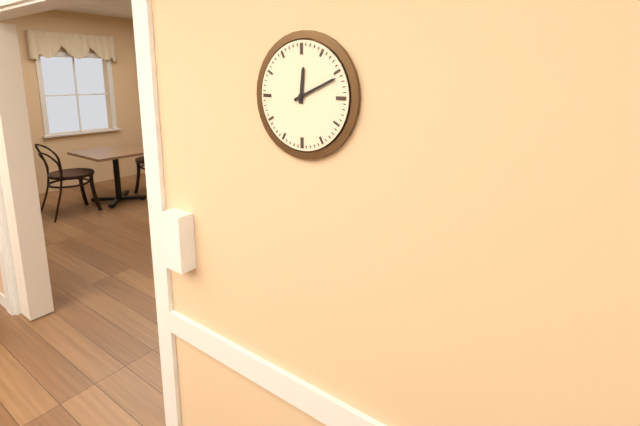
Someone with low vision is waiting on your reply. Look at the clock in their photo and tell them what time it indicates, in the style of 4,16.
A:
12,11
